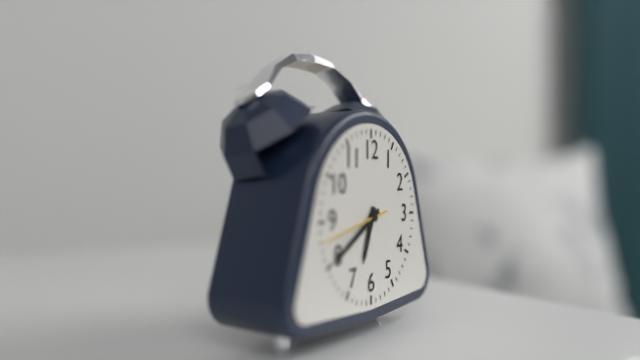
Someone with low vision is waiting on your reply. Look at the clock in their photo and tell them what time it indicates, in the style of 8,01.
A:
6,40
